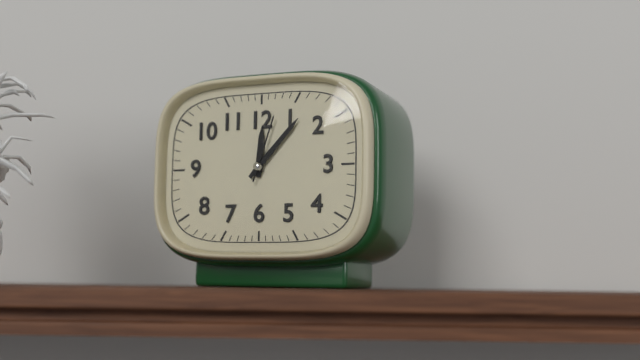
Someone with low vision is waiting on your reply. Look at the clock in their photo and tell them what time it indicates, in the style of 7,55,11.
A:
12,07,03
